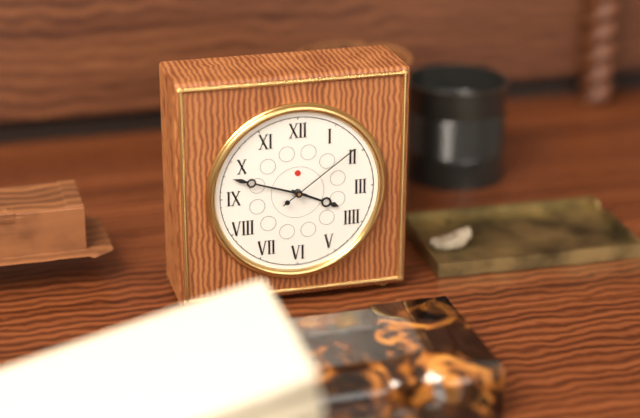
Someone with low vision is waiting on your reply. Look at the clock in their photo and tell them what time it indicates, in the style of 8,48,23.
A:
3,48,09
